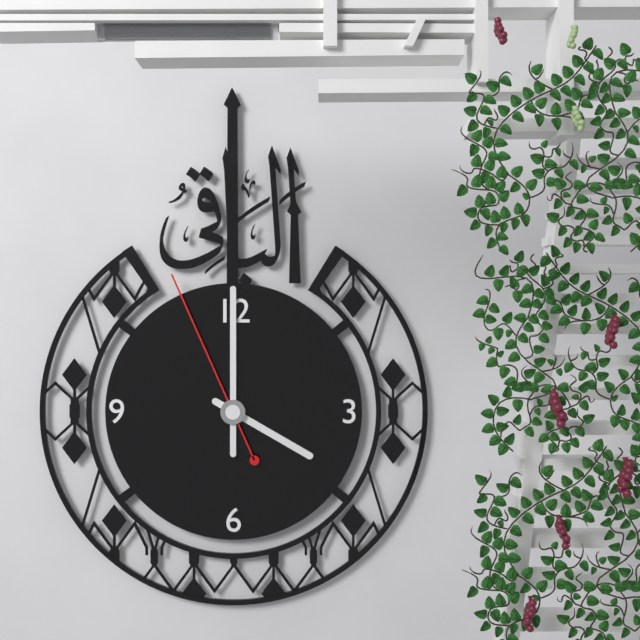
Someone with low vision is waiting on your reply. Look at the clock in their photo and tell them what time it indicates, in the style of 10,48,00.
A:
4,00,56
